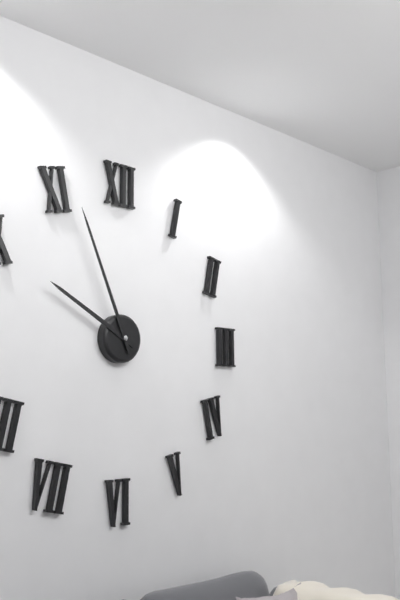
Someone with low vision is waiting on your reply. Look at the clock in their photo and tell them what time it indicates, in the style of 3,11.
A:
9,56
